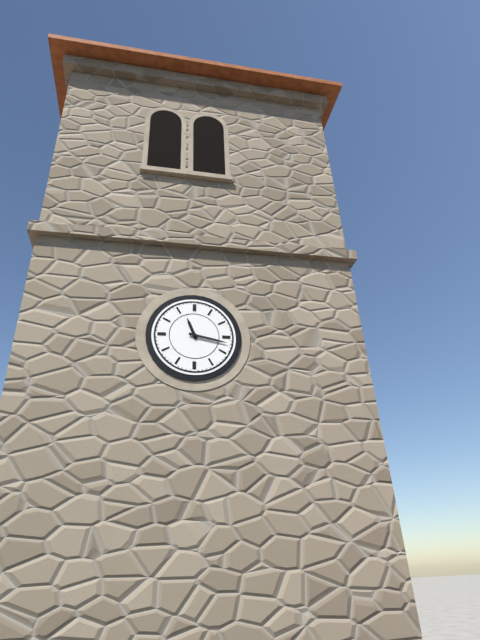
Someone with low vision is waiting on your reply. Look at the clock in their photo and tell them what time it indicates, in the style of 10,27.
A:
11,17
